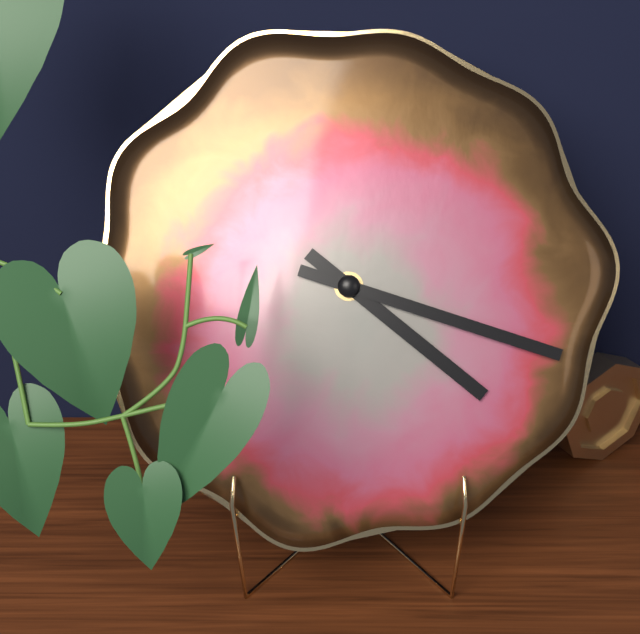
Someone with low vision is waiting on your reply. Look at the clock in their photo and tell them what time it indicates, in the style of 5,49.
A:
4,18
